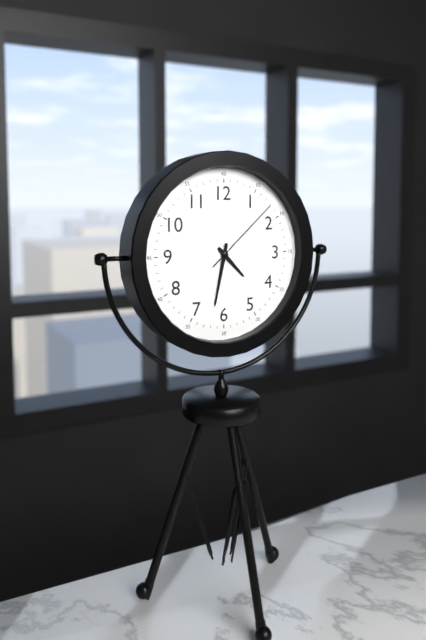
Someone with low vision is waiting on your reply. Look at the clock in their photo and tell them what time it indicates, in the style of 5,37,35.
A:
4,32,08
